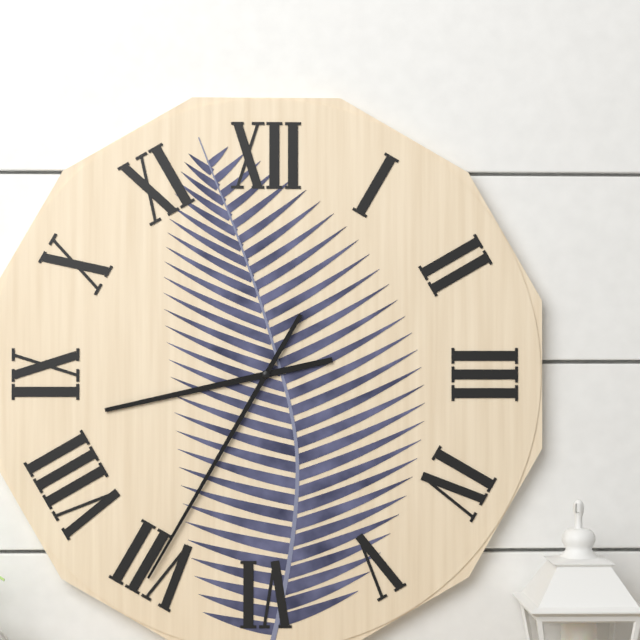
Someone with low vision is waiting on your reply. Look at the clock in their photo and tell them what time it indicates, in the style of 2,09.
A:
8,35
